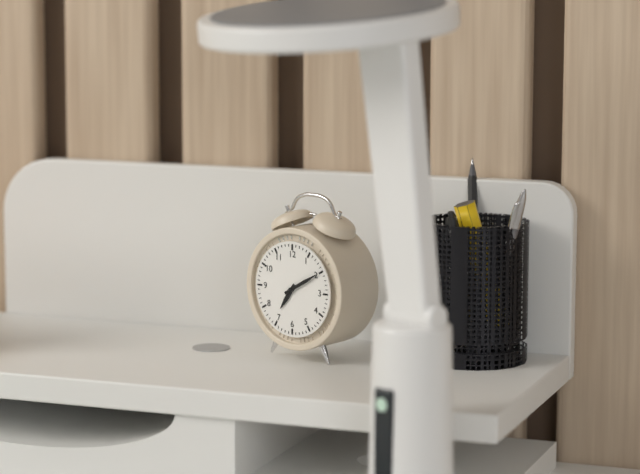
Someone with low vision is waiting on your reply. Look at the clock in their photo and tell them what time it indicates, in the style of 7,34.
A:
7,10
